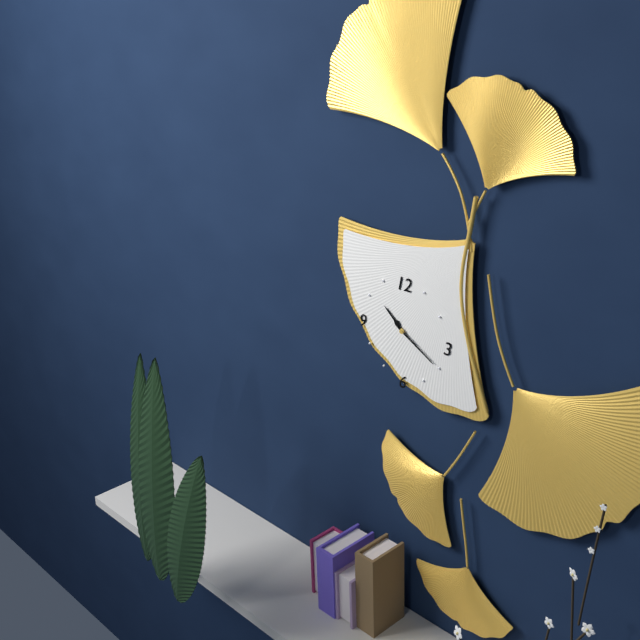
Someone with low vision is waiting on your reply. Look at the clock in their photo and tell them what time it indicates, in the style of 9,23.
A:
10,20
